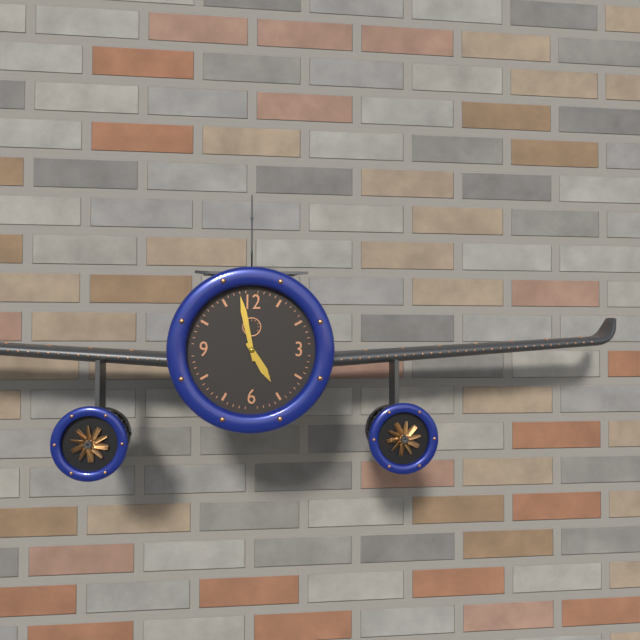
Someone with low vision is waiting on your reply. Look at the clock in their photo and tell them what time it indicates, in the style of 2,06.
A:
4,58
